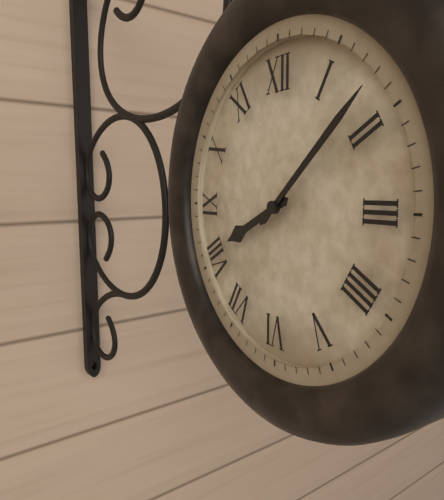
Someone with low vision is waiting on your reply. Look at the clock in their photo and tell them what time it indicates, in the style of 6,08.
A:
8,08
